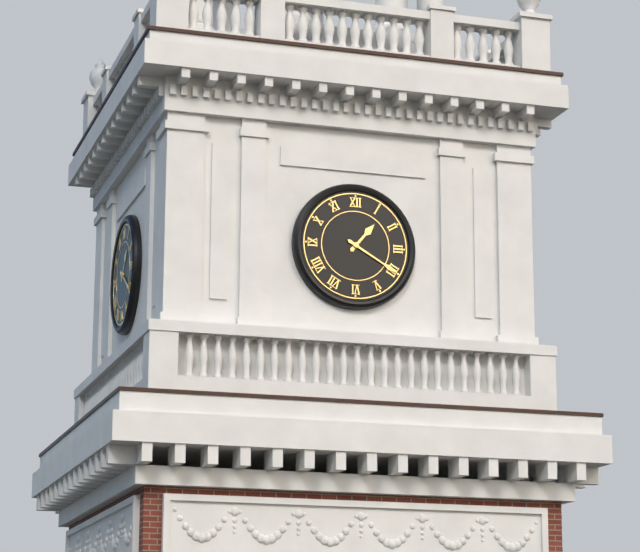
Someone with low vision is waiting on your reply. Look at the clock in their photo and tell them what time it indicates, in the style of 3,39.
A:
1,20
